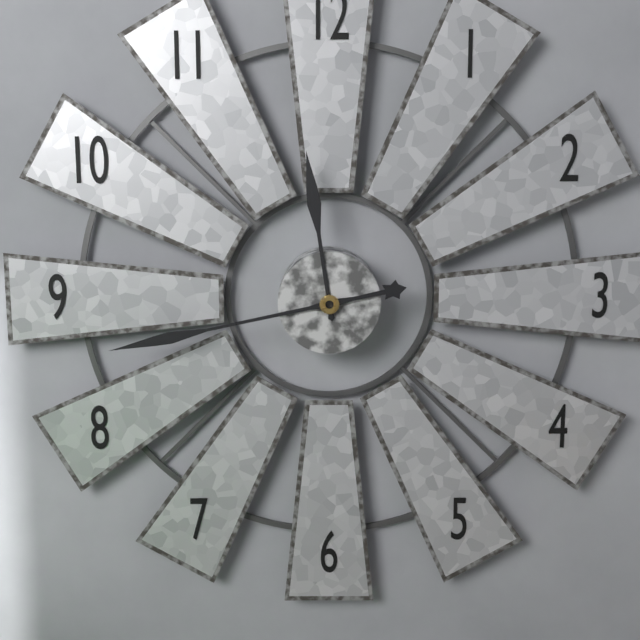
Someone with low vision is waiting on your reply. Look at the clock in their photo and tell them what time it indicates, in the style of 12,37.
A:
11,43
